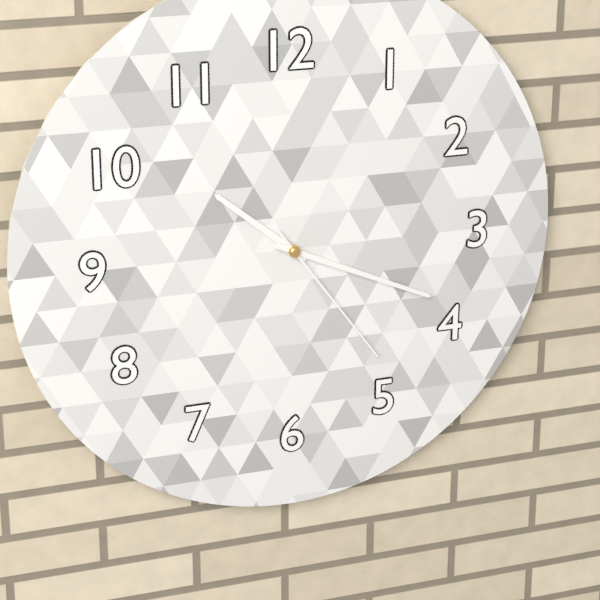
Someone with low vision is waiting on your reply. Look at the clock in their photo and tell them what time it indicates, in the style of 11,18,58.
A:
10,19,24
